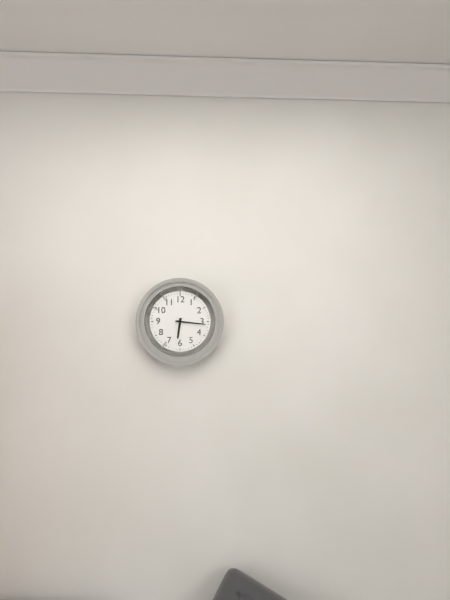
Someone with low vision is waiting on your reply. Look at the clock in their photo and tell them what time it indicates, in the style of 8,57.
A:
6,16
